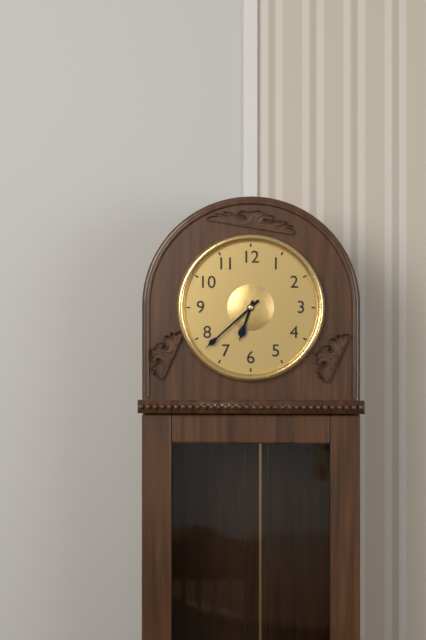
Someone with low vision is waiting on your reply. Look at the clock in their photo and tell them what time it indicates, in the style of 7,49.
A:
6,38
